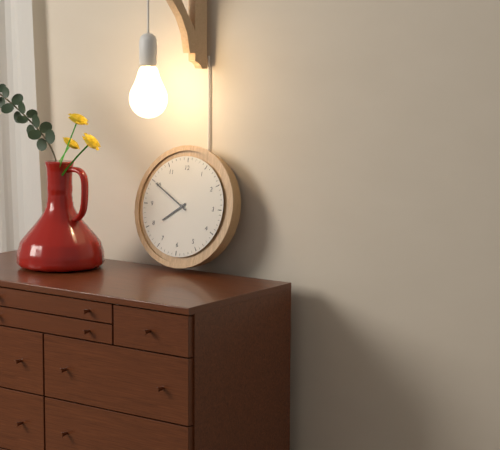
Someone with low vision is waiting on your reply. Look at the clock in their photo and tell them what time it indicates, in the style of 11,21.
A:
7,50
